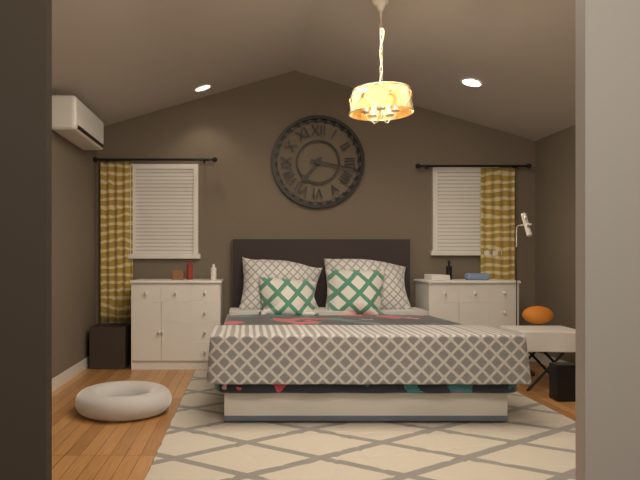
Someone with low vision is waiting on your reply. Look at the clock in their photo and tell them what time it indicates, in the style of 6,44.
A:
7,17
